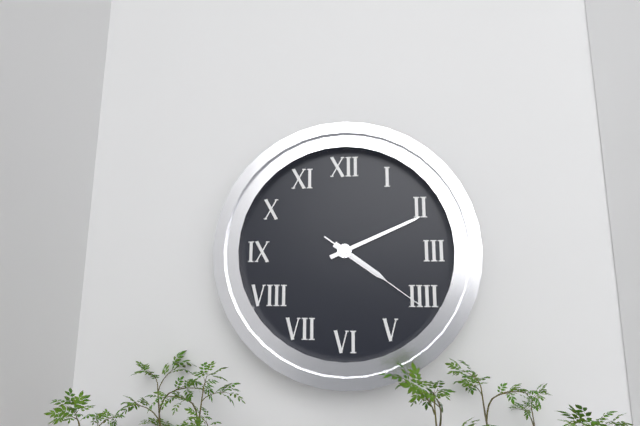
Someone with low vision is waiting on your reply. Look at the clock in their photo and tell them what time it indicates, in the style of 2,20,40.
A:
4,11,21
